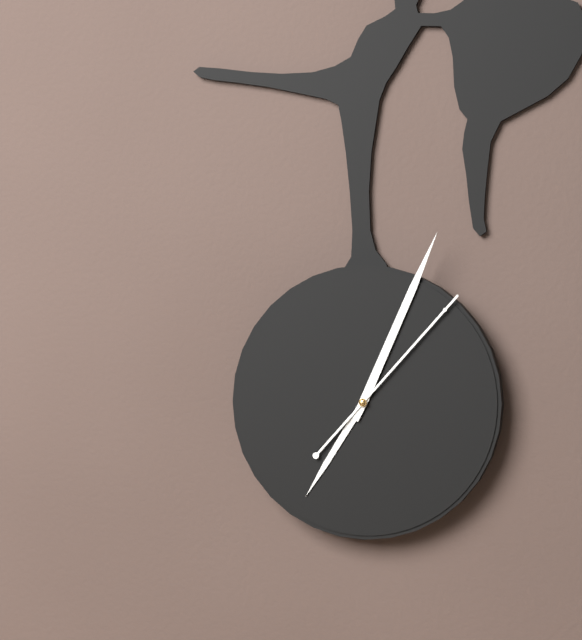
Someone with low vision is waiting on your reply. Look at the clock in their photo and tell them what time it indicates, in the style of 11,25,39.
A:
7,04,07
